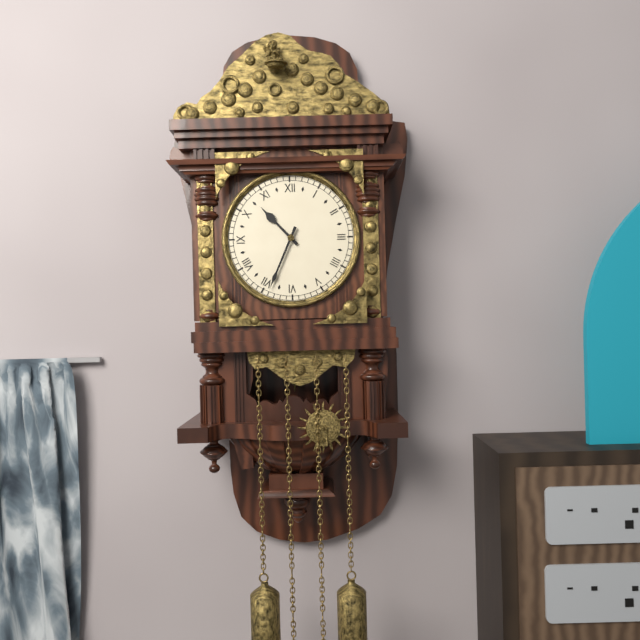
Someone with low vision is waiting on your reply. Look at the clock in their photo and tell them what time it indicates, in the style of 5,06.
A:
10,34
